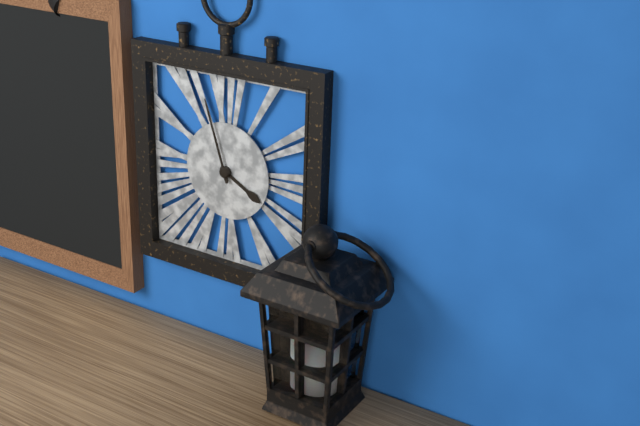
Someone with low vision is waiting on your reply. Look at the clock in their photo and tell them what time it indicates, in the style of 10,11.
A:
3,57
